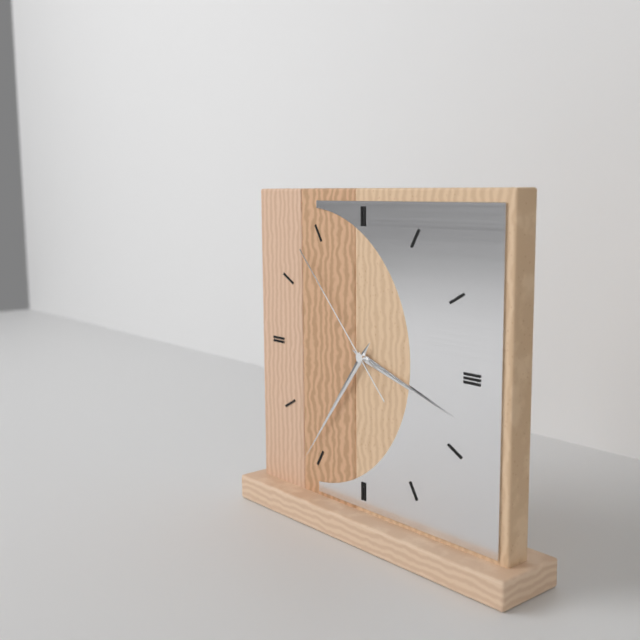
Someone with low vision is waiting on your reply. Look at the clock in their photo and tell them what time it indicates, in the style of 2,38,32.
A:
3,36,53
